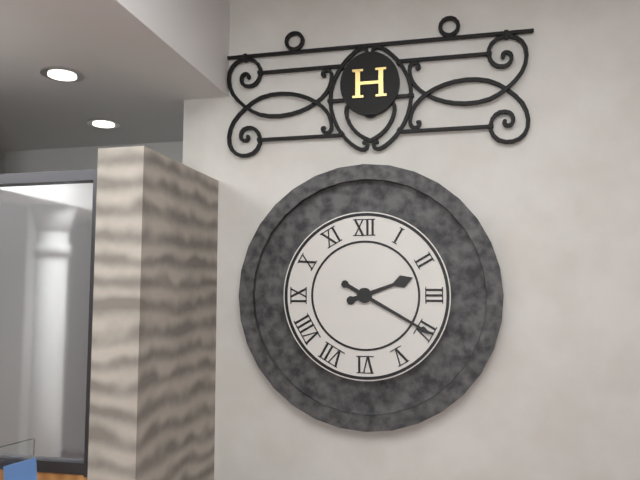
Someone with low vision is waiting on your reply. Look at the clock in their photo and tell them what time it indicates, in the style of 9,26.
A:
2,20
